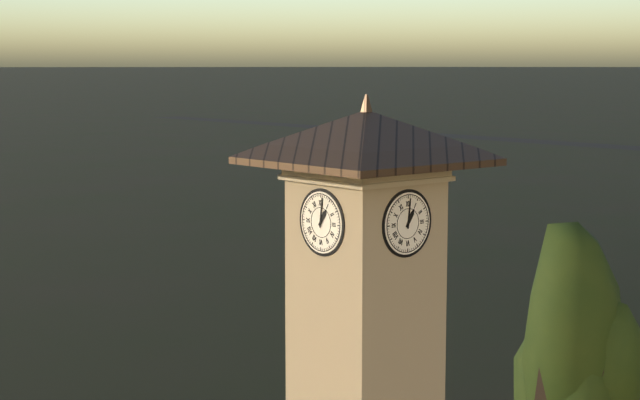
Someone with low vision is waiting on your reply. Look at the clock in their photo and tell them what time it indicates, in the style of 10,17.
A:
1,01
